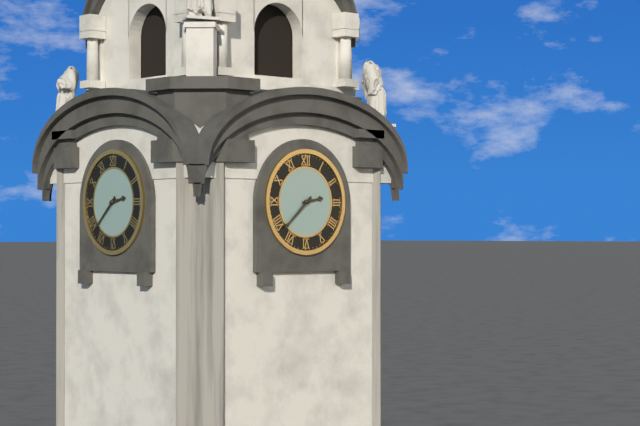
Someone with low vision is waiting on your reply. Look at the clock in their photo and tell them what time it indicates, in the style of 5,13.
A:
2,38
